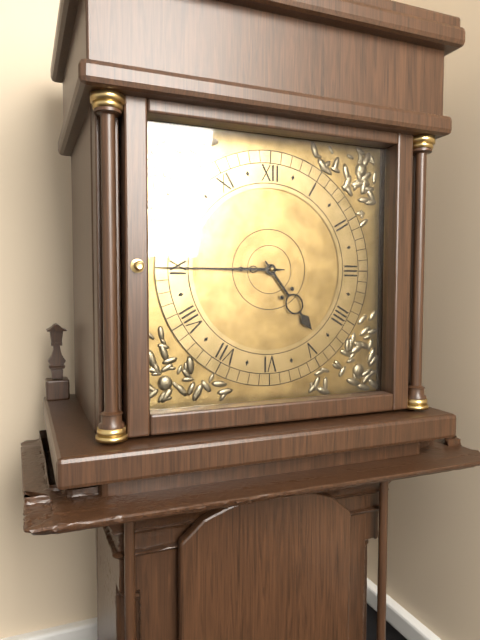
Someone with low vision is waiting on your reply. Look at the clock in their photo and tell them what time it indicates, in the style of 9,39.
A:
4,45
